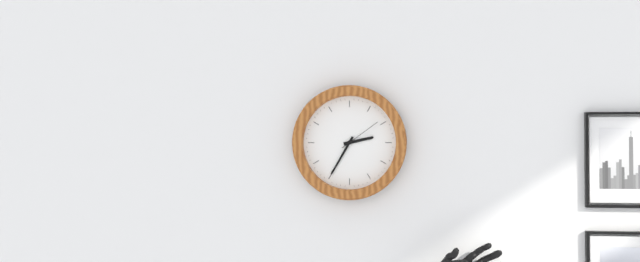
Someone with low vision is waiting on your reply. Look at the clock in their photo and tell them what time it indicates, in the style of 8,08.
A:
2,35
